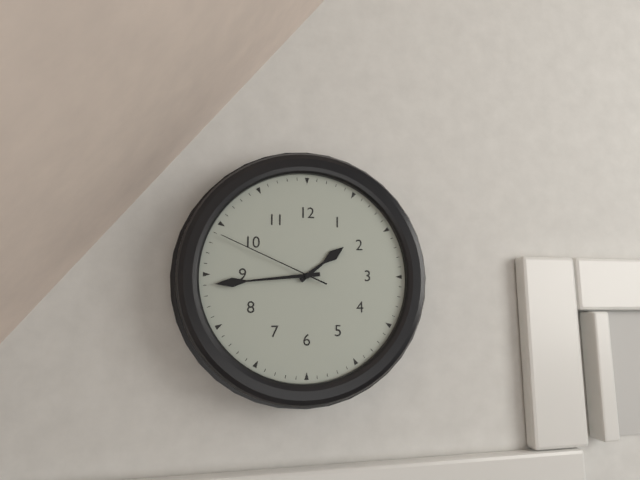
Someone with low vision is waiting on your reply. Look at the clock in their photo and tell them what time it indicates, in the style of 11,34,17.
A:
1,44,49
